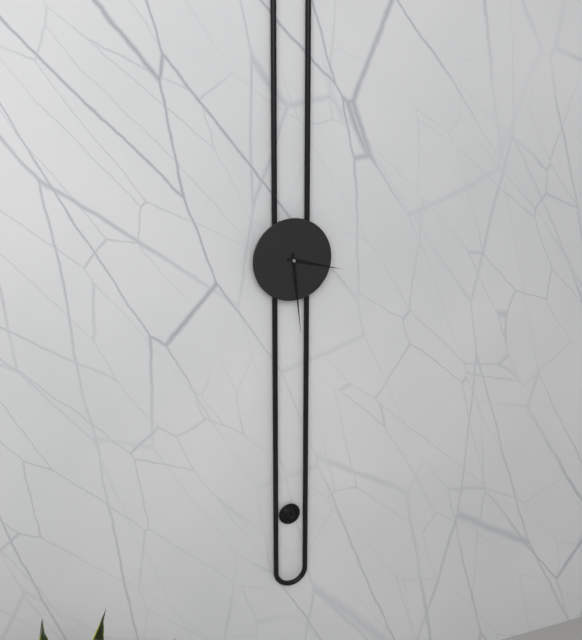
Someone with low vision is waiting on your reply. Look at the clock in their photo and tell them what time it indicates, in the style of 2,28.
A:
3,29
